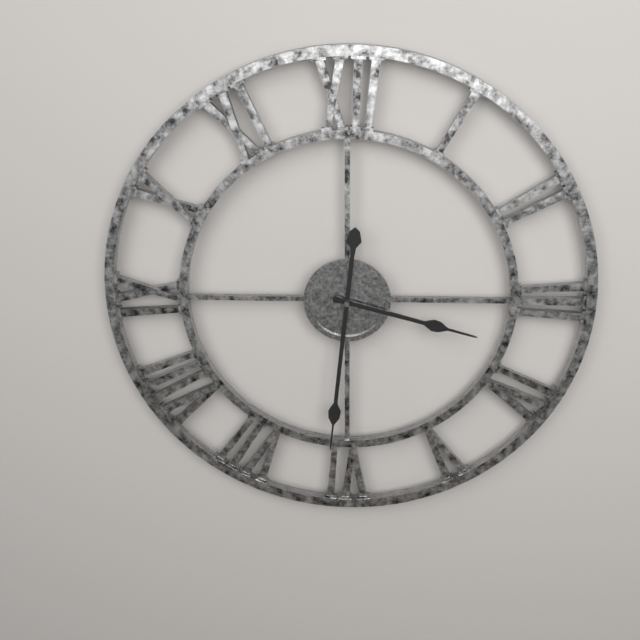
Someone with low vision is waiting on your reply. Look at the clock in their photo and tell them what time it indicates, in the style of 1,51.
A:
3,31
